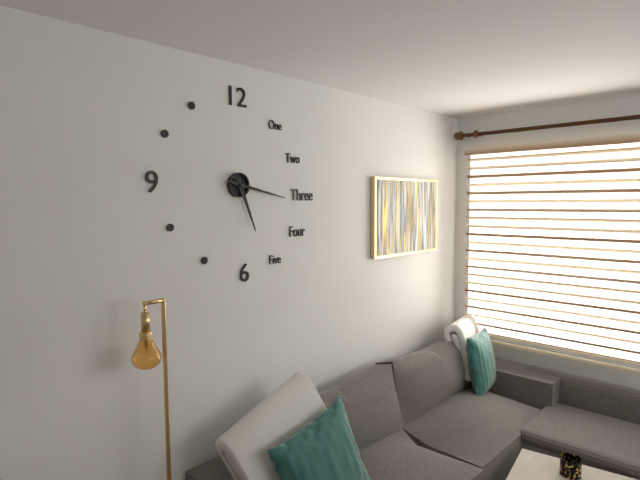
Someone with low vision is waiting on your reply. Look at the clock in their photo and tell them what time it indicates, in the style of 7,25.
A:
5,17
